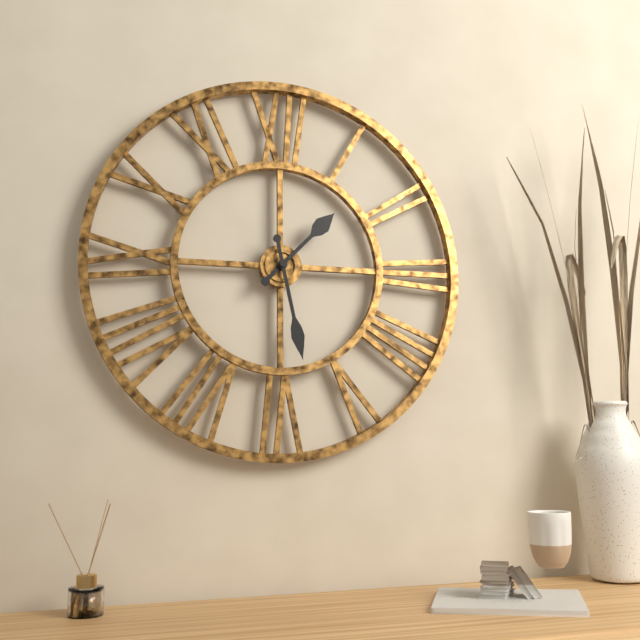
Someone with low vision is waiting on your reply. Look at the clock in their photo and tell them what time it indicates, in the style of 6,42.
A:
1,28
